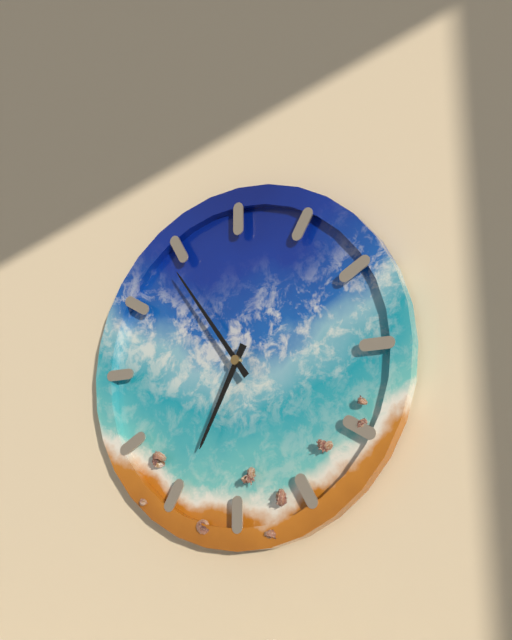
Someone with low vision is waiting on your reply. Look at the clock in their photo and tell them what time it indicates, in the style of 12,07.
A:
6,54
